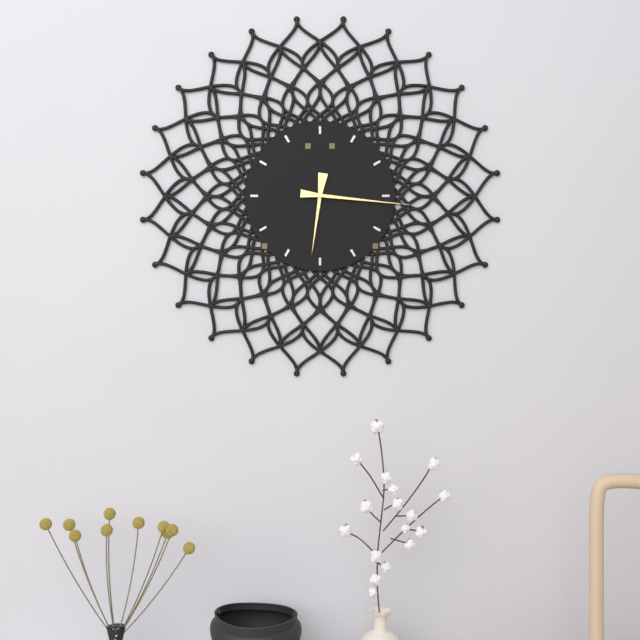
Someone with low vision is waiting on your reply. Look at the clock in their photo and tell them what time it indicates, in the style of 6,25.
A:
6,16
